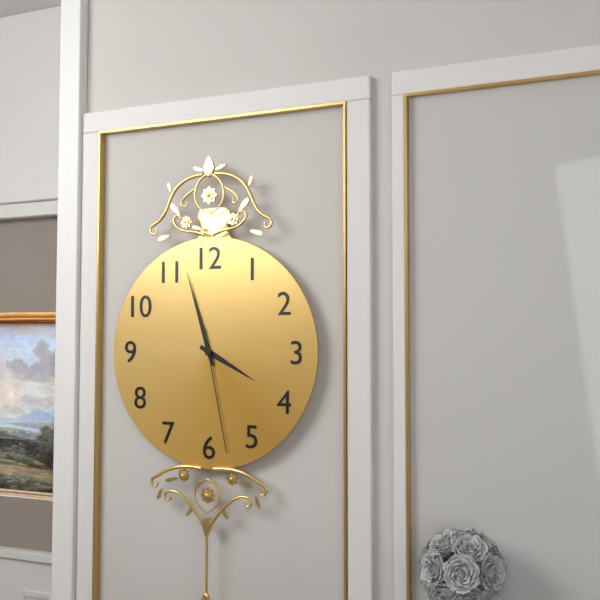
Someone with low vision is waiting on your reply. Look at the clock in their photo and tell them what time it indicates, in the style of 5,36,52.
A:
3,57,28
